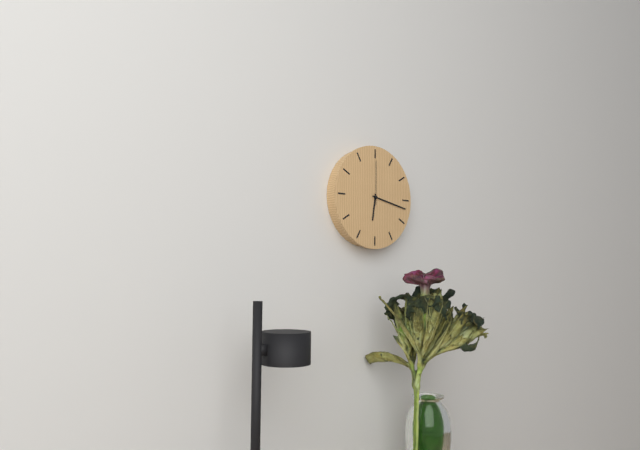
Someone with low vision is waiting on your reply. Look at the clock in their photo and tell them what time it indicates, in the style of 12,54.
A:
6,17
